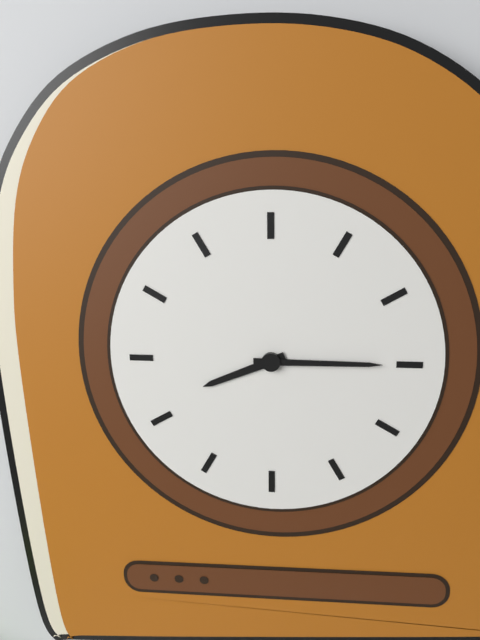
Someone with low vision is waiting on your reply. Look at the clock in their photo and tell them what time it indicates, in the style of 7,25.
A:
8,15
